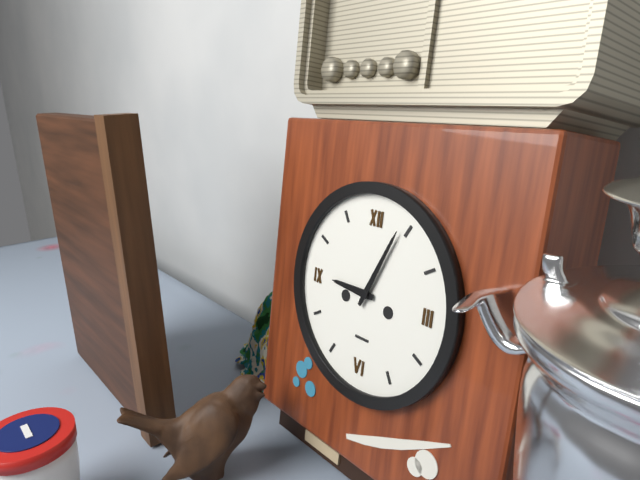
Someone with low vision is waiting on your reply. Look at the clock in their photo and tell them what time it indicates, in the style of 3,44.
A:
9,04
